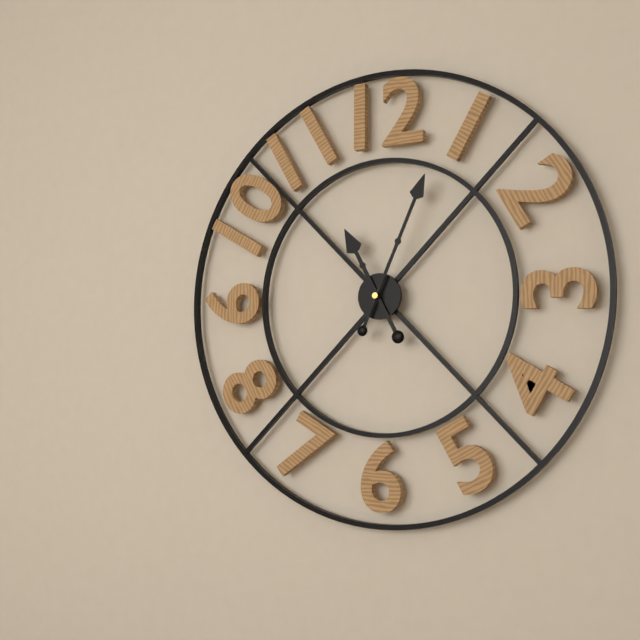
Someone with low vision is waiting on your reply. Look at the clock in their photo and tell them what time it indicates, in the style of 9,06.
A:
11,04
